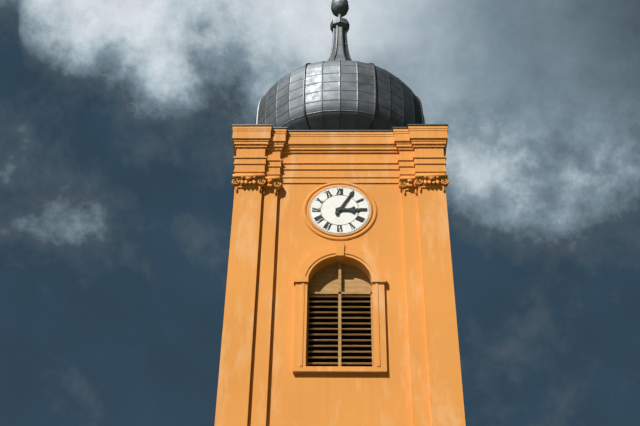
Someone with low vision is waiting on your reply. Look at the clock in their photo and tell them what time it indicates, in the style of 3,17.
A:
3,05
